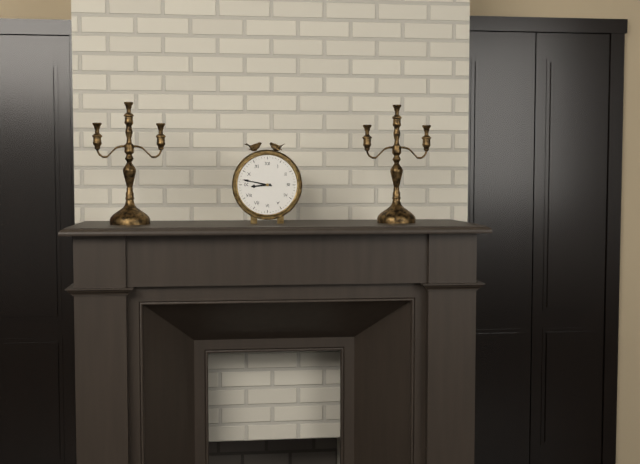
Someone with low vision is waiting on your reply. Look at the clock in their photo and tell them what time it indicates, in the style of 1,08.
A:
8,47
